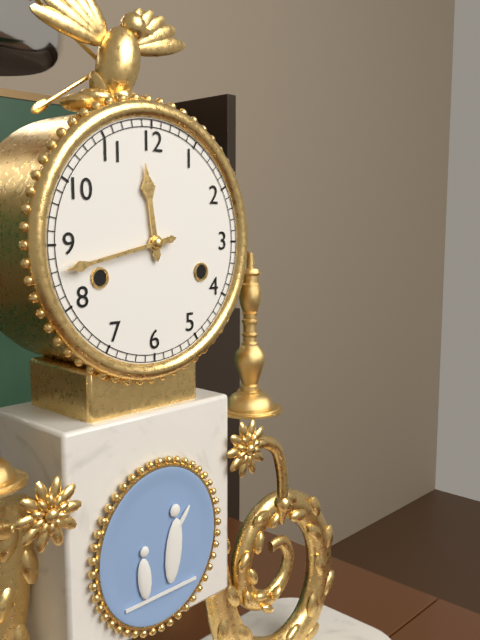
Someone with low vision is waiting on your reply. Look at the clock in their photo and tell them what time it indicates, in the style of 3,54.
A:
11,43
